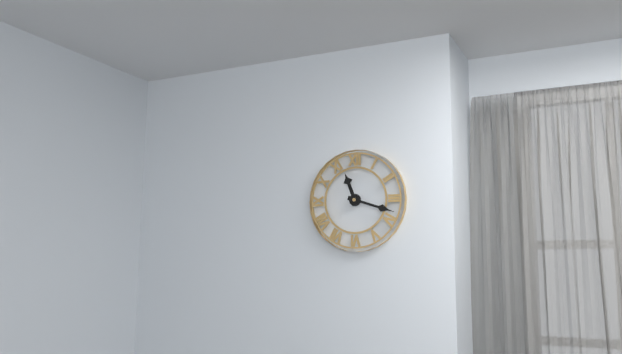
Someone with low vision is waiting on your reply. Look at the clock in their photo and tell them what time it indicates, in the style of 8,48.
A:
11,18
